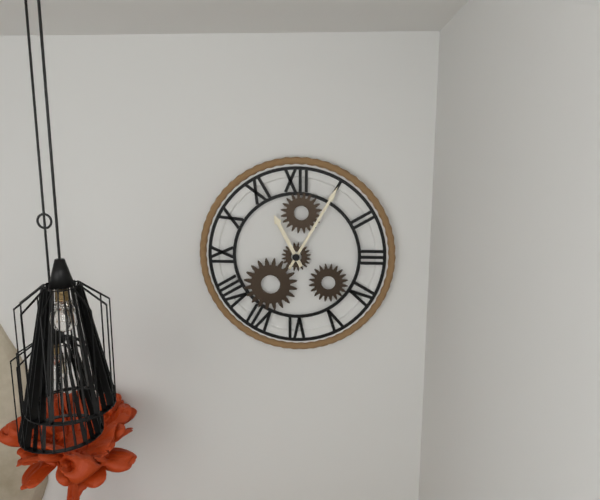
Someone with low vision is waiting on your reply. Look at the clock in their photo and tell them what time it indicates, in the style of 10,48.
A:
11,05
